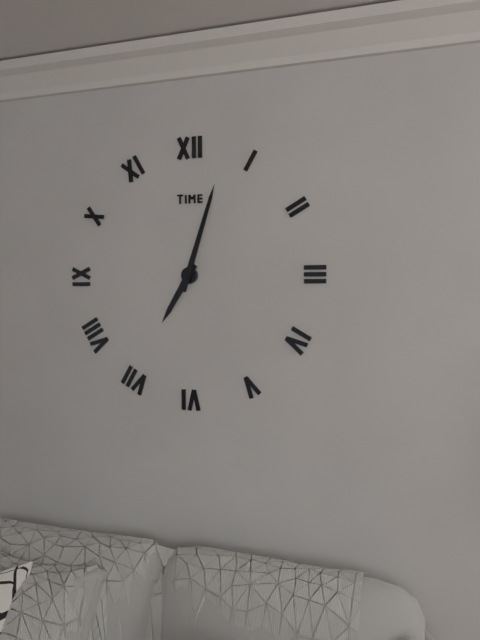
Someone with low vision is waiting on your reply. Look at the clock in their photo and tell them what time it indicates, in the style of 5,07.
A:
7,03
